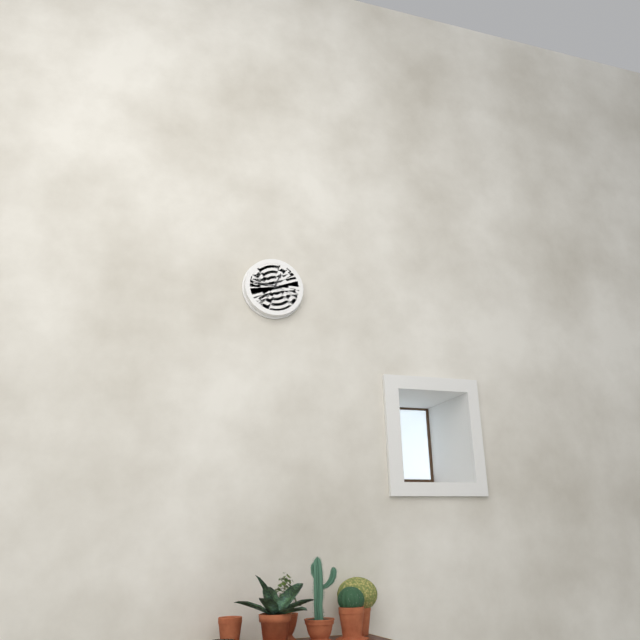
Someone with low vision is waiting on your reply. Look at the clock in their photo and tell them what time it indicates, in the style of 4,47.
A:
12,46
